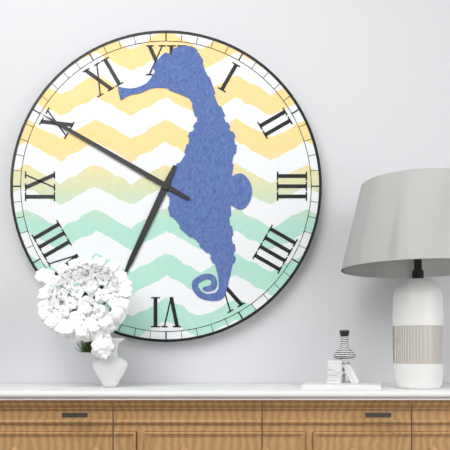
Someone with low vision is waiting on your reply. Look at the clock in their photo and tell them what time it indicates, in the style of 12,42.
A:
6,50
